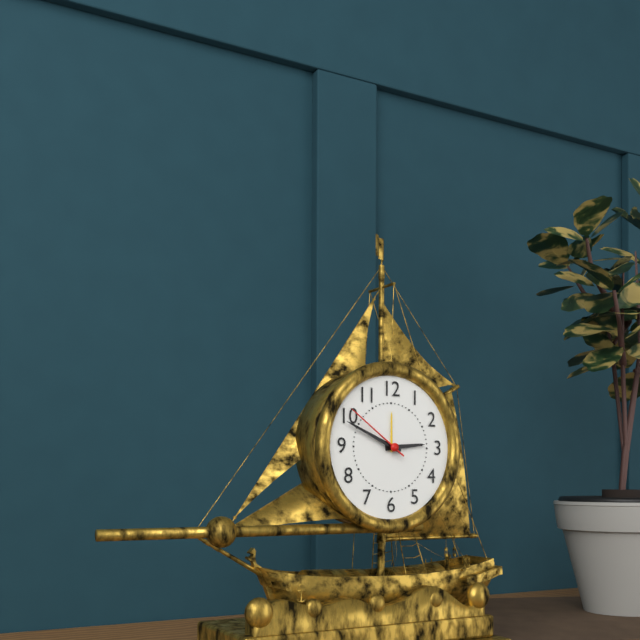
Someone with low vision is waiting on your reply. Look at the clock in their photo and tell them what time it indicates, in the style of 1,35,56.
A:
2,49,51
